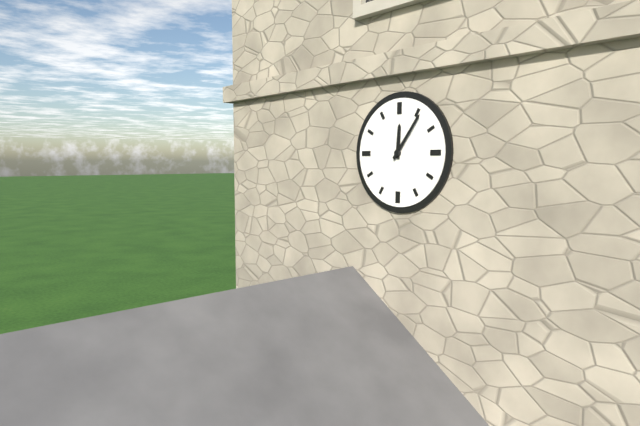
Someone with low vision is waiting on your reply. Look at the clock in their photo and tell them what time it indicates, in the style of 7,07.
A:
12,06
